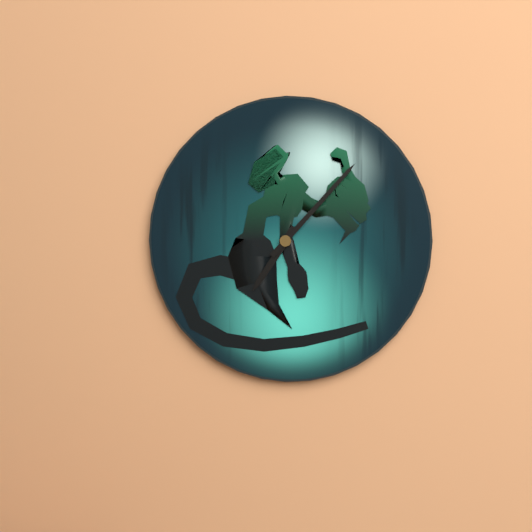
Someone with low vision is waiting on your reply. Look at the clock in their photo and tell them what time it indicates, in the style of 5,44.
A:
7,07
